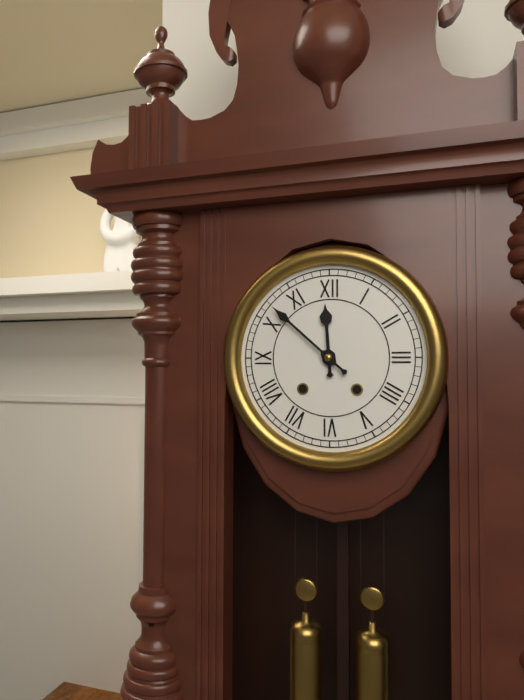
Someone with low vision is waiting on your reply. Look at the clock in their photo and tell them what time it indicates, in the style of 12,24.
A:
11,52
